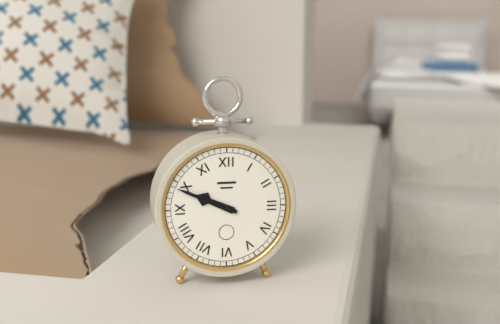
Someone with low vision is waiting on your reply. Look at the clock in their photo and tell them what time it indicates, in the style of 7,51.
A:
9,49
